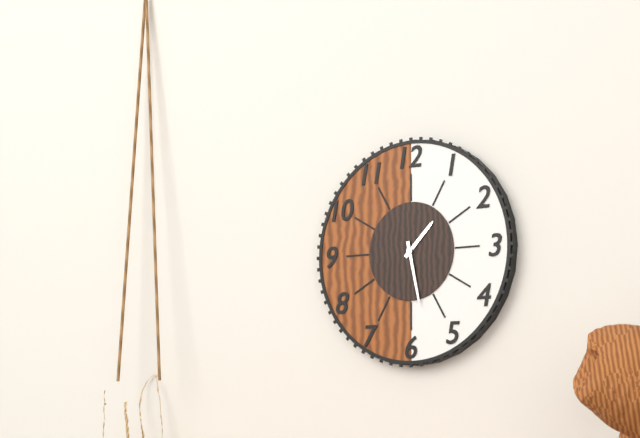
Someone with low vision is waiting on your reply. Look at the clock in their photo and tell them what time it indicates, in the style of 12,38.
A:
1,28
